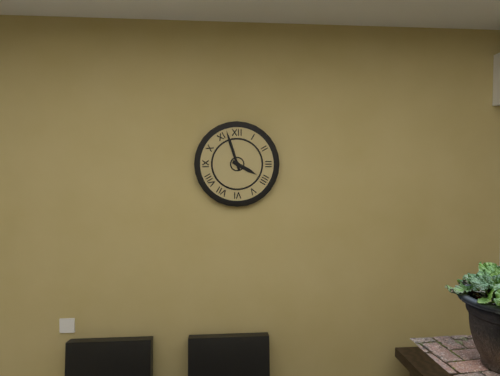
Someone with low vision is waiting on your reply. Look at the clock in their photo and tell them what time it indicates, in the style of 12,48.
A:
3,57
